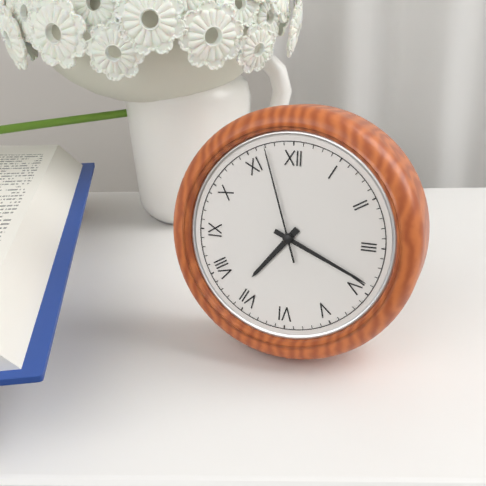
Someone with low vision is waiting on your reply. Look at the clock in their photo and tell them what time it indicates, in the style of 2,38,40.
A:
7,19,57
